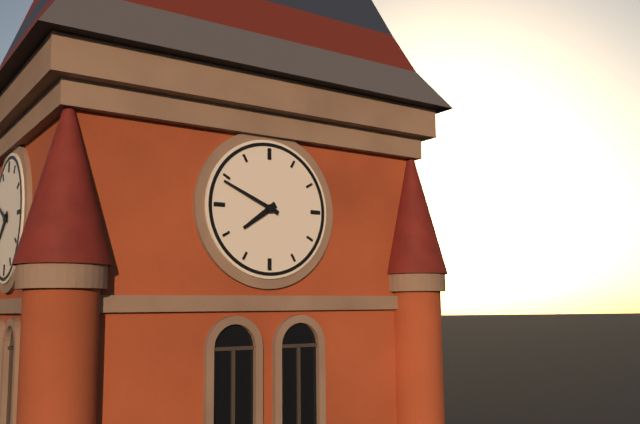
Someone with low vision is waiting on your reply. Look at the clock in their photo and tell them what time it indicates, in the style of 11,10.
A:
7,49
